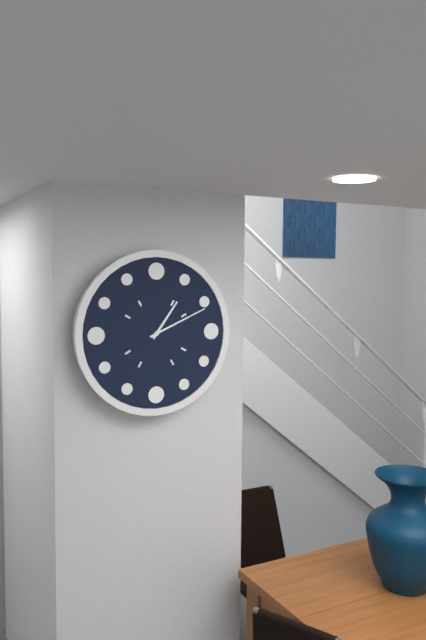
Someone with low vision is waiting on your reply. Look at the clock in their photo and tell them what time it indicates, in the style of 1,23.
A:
1,11
